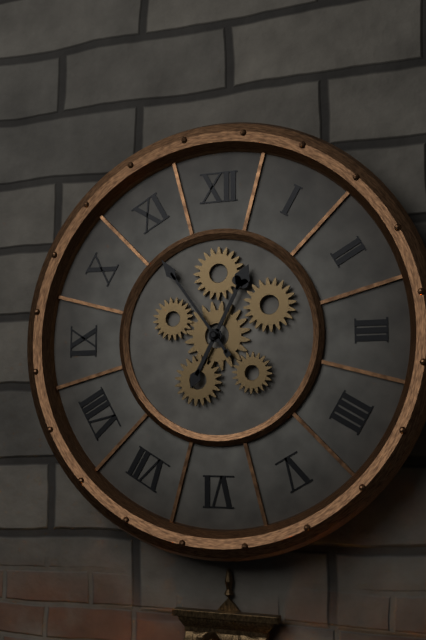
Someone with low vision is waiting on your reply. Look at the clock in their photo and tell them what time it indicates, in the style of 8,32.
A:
12,54
